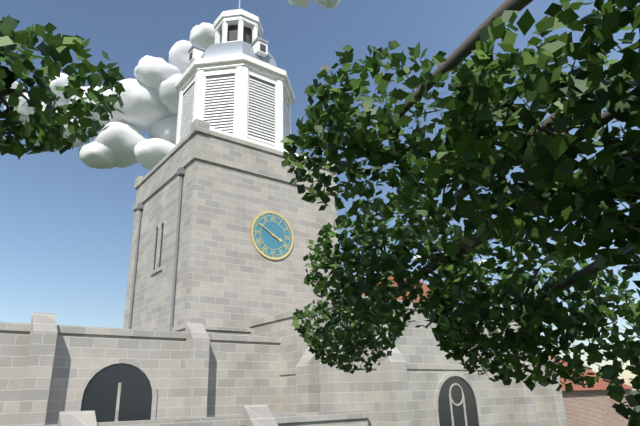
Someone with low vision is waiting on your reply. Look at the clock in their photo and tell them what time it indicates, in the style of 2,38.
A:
3,50
